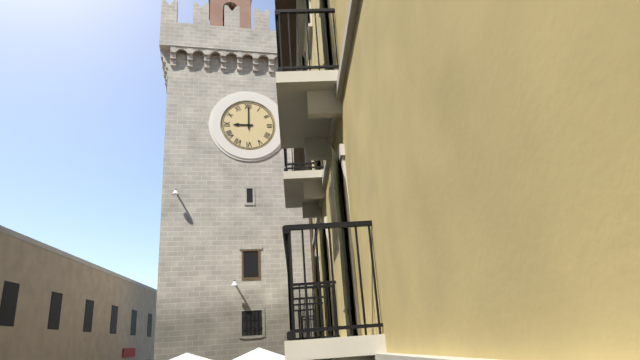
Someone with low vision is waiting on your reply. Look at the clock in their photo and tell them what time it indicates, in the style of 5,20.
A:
9,00
